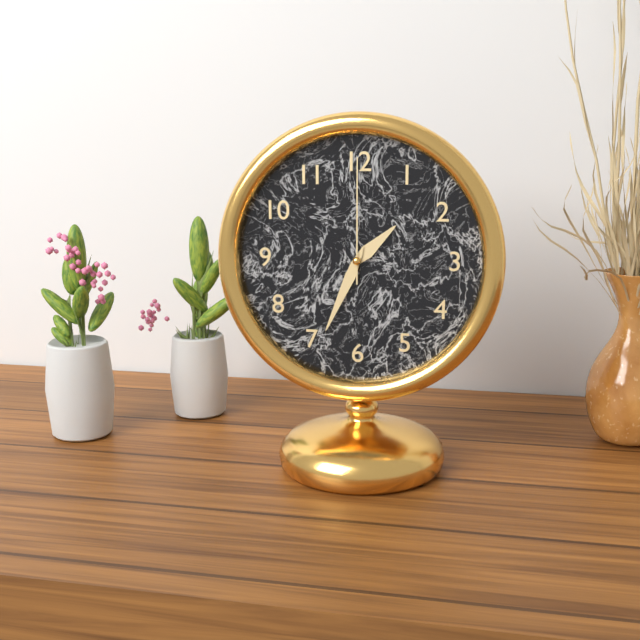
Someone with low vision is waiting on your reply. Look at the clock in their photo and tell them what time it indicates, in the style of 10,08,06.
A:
1,34,00
